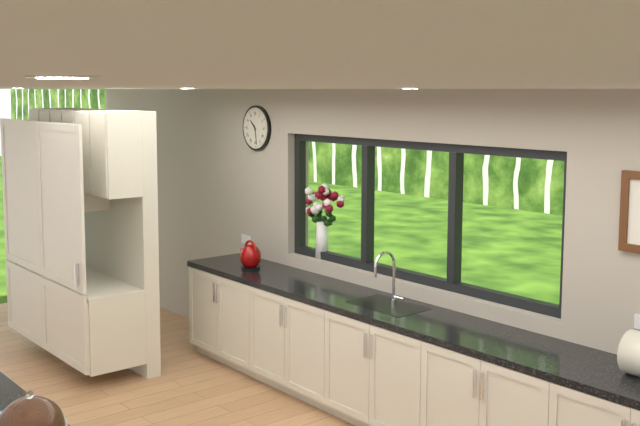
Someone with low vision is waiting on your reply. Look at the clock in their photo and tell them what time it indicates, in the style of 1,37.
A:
10,28
